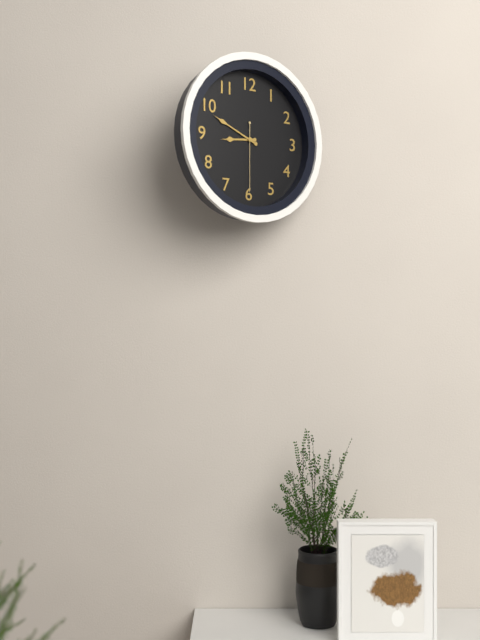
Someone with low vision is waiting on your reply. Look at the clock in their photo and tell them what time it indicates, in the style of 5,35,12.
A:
8,49,30
